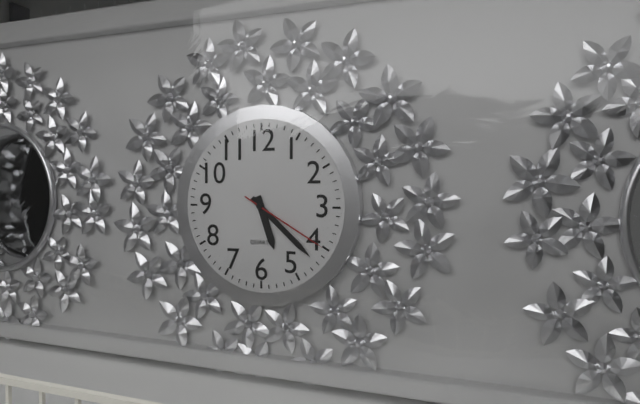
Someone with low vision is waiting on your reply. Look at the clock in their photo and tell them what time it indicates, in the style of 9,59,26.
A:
5,22,20
